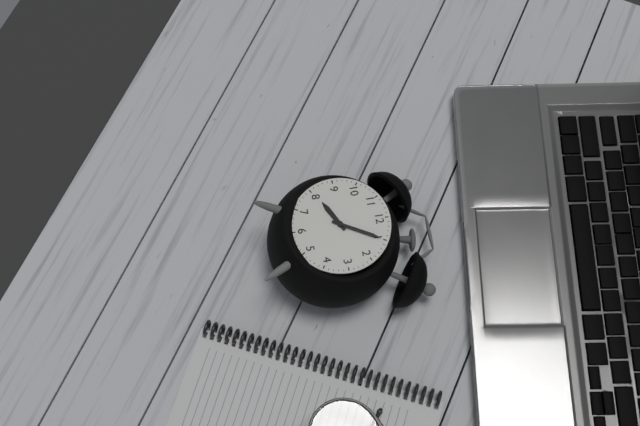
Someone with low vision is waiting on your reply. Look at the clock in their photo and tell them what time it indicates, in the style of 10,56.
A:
8,05
